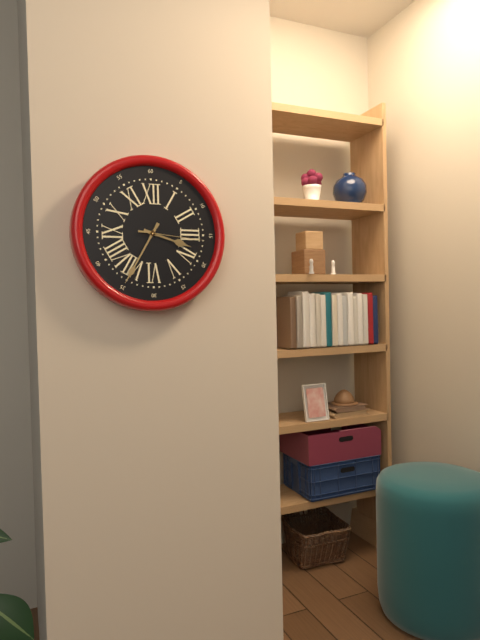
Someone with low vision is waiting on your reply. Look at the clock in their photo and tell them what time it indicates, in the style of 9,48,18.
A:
3,35,16
